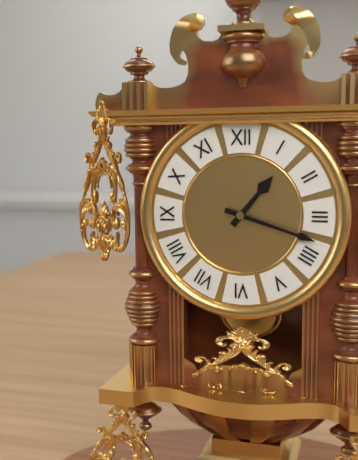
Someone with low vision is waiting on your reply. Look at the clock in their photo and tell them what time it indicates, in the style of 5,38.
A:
1,18
